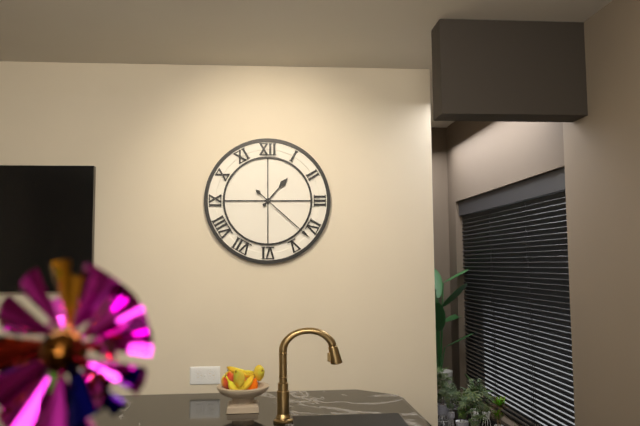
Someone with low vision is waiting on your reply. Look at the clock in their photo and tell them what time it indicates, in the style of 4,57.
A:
1,22
